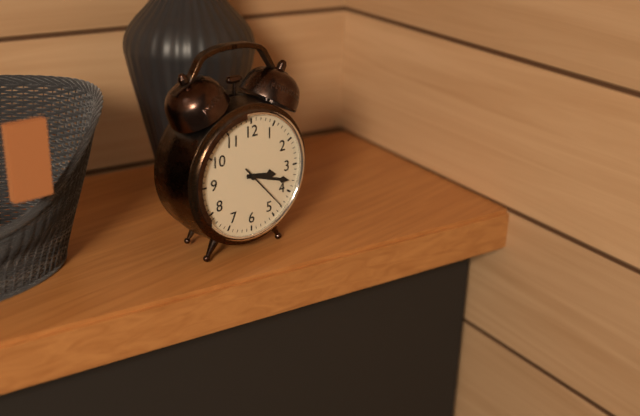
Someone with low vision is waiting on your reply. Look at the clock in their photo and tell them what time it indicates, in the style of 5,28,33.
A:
3,18,23
